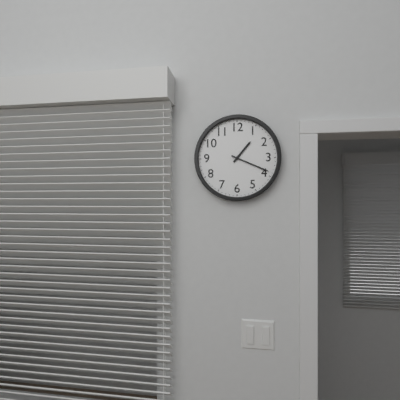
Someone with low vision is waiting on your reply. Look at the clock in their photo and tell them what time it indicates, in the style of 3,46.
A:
1,19
